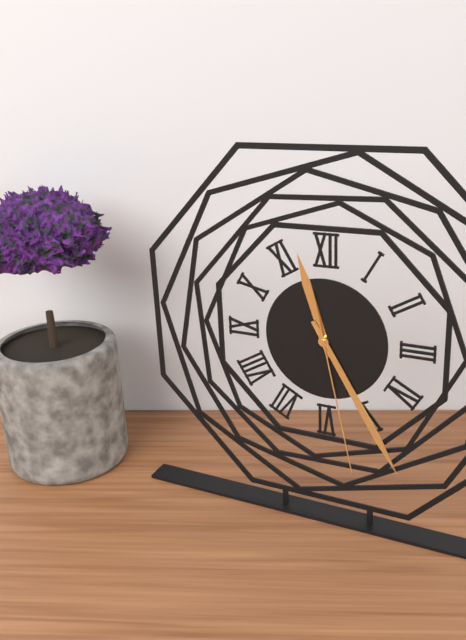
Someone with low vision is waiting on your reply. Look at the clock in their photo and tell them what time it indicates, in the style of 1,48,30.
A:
11,25,28
